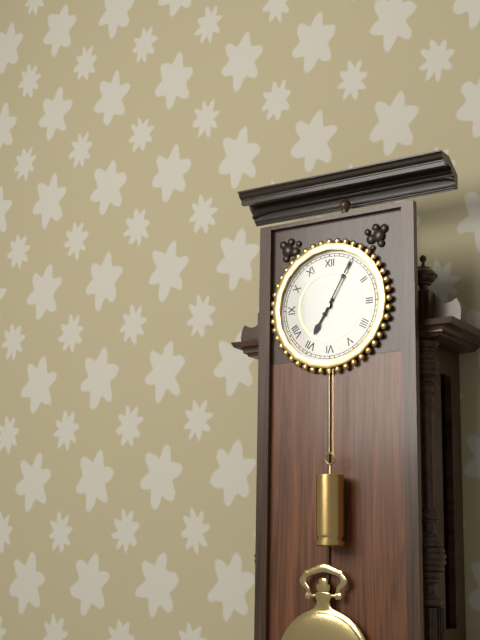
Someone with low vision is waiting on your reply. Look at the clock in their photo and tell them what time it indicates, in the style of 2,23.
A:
7,05
